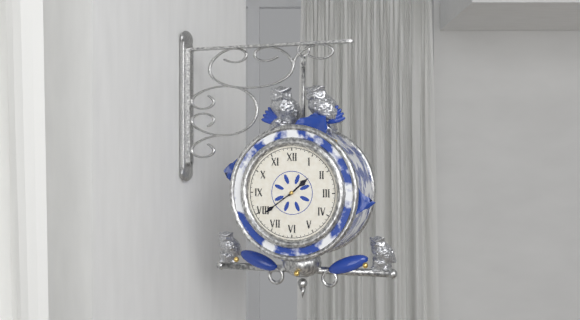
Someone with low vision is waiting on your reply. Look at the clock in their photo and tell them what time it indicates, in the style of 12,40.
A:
1,39
